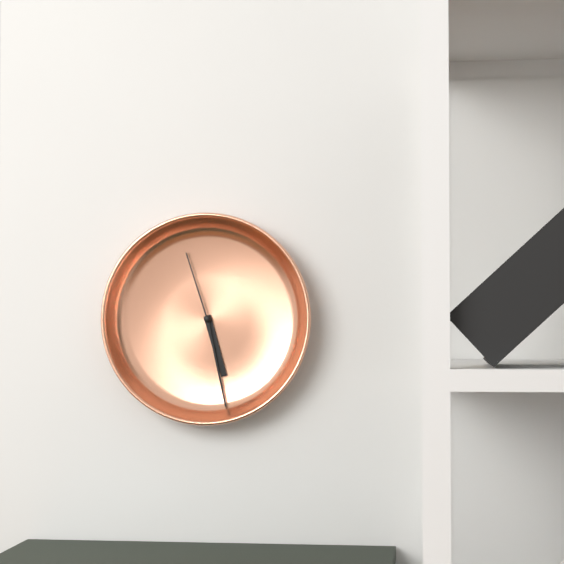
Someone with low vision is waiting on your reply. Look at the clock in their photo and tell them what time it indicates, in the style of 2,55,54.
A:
5,28,57
